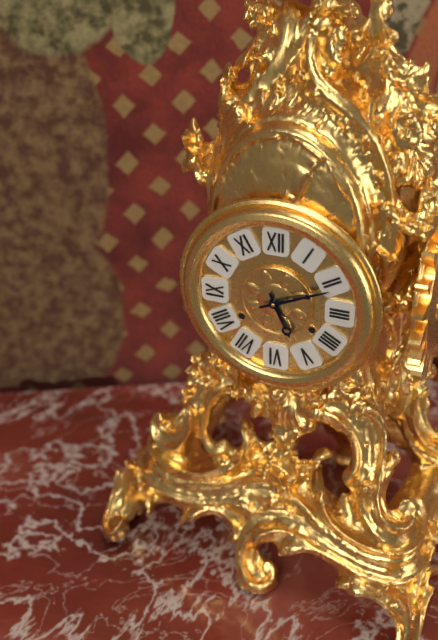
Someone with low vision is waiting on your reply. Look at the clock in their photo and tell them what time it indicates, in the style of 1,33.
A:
5,11
